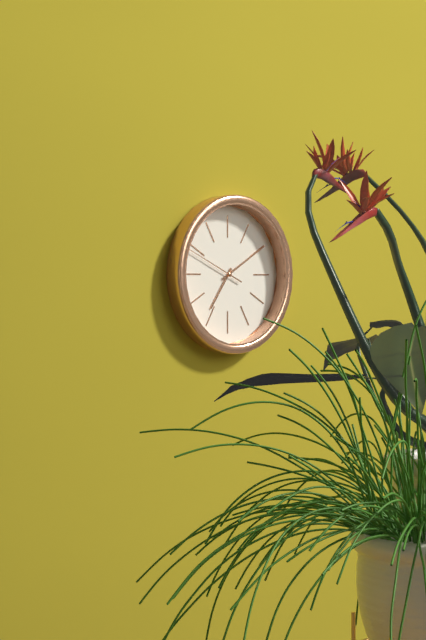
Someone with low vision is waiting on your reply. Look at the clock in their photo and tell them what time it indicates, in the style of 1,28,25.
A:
7,10,49
